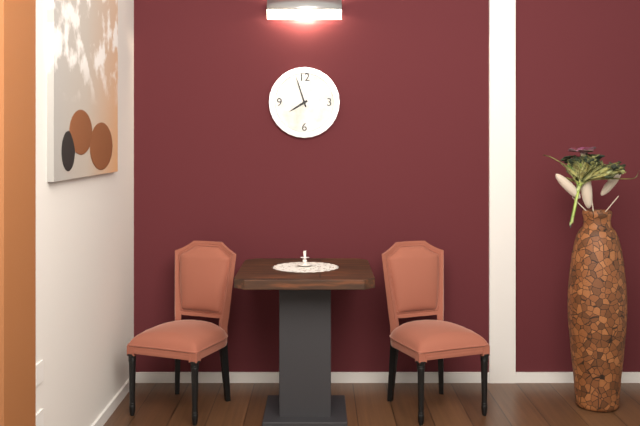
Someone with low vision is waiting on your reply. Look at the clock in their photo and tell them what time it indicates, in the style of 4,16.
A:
7,57
